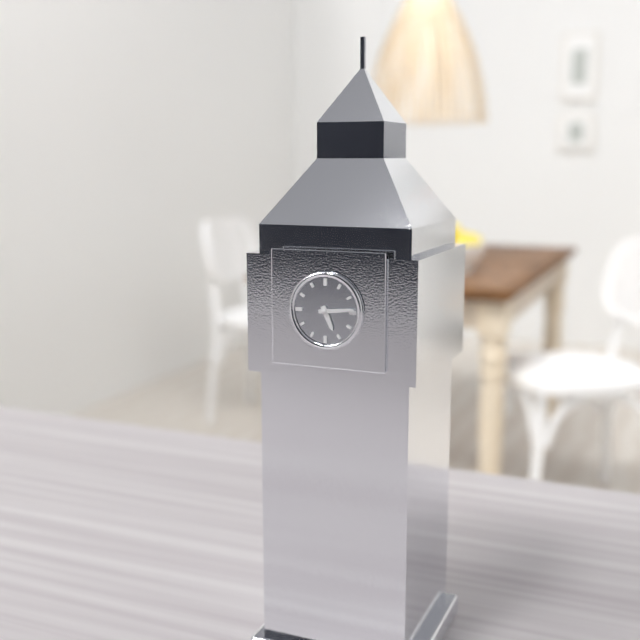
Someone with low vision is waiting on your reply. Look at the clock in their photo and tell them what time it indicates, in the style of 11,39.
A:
5,14
